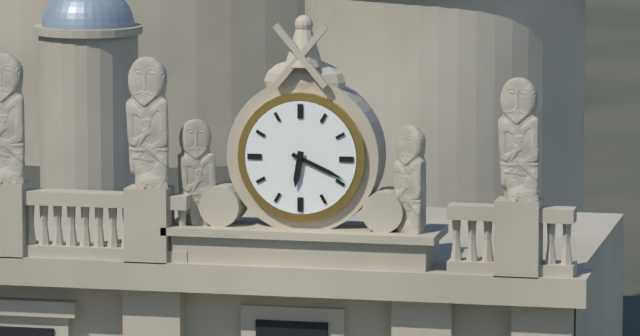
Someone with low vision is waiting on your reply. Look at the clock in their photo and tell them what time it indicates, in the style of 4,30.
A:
6,19
